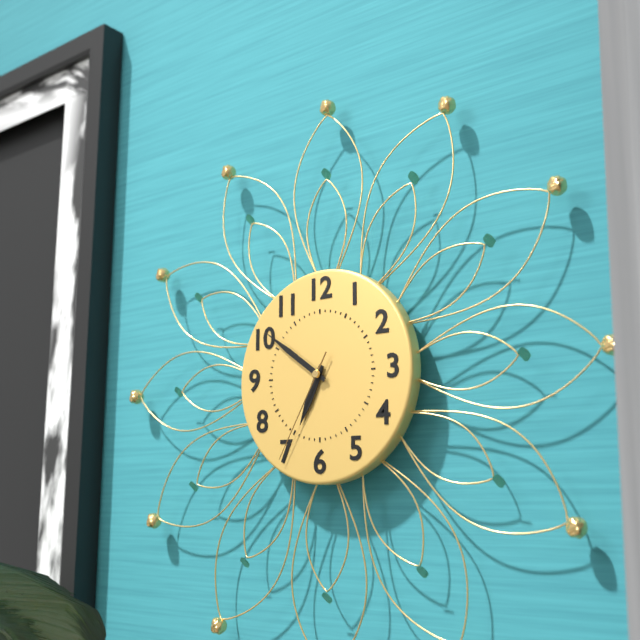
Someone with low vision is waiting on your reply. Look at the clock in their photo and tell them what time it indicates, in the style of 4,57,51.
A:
6,51,35
